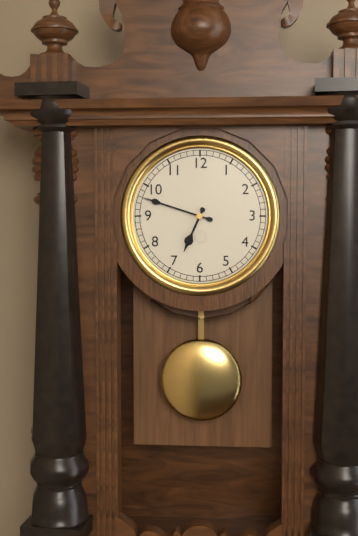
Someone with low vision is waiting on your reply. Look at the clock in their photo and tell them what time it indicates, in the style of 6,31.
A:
6,48
